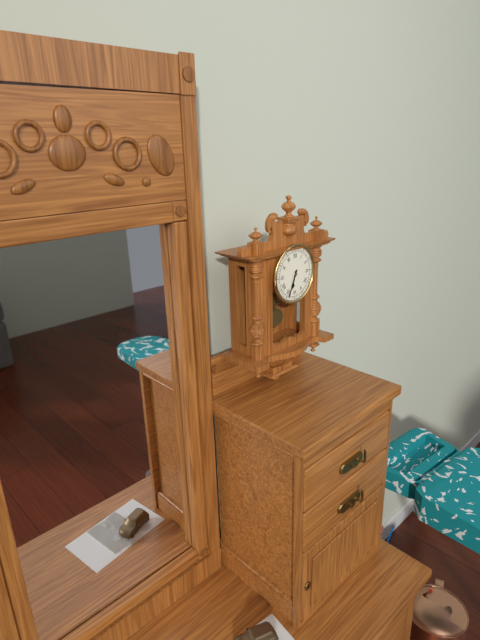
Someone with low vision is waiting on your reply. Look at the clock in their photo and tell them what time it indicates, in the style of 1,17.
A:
6,34
